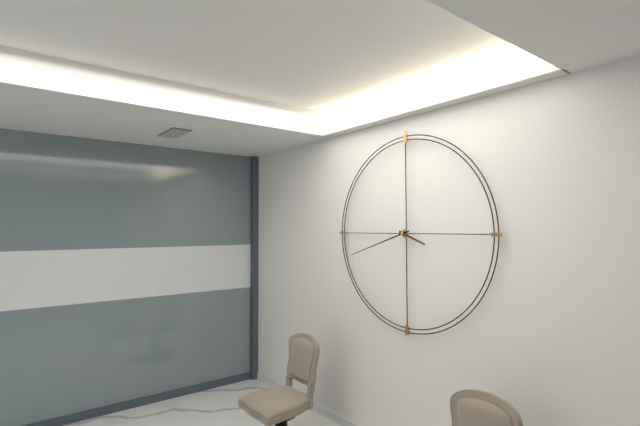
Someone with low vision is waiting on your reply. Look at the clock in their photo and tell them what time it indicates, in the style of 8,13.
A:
3,42
